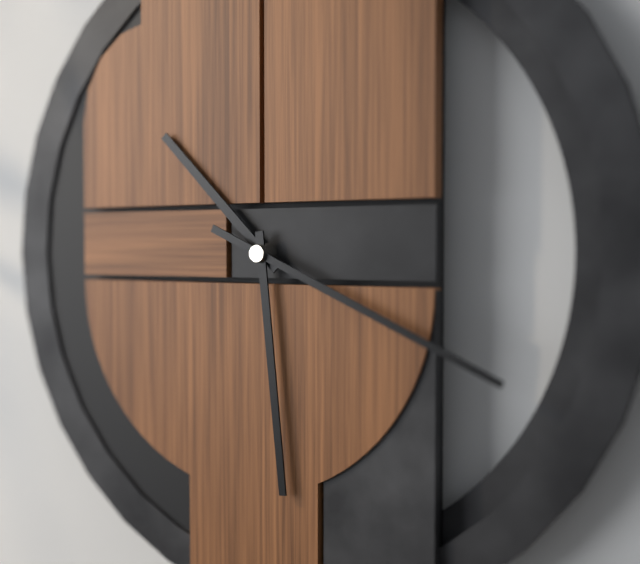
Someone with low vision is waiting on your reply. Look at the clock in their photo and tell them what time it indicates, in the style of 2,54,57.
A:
10,29,19
